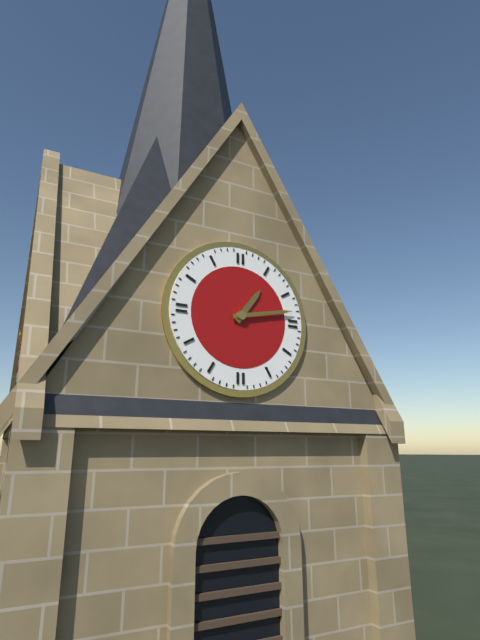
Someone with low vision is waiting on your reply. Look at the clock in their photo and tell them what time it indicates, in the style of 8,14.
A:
1,13
